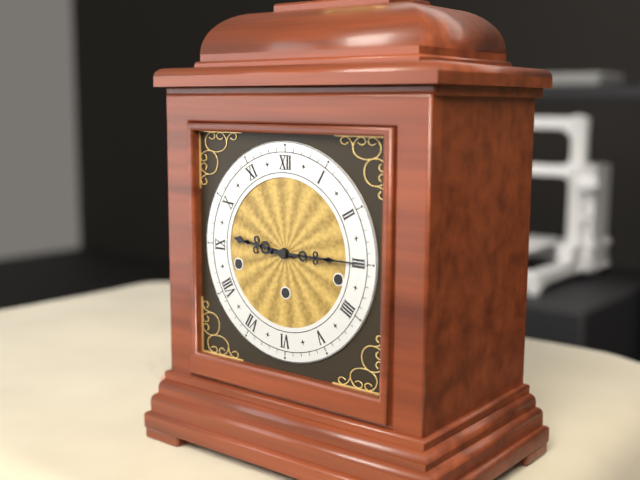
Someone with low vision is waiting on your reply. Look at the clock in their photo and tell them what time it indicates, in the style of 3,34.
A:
9,15
